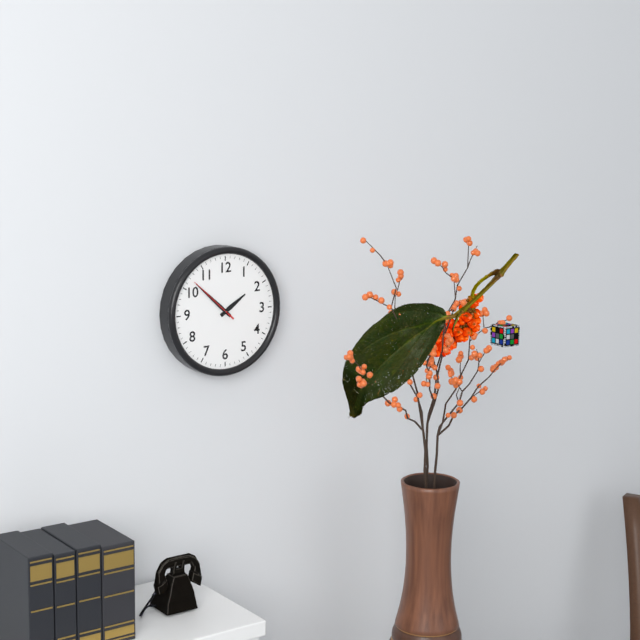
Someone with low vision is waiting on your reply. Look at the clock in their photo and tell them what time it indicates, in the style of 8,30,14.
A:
1,52,52
